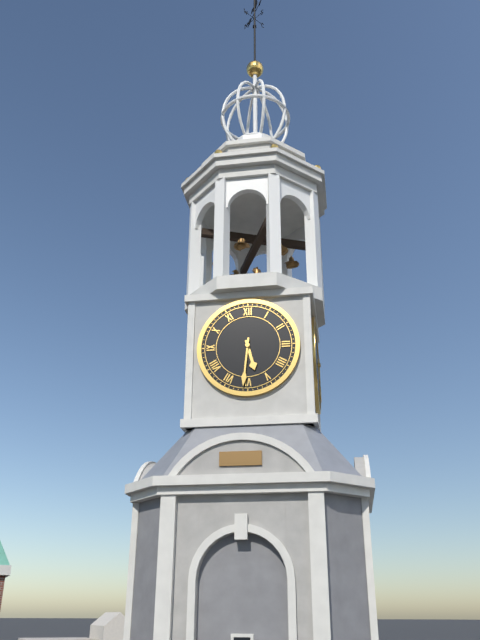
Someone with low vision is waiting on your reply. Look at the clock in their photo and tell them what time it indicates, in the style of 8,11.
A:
5,31
